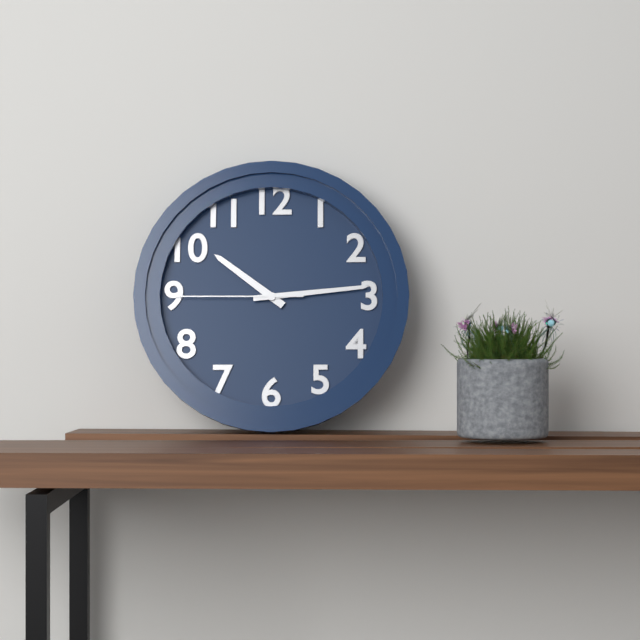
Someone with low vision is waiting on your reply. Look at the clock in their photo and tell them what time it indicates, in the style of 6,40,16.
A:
10,14,45
